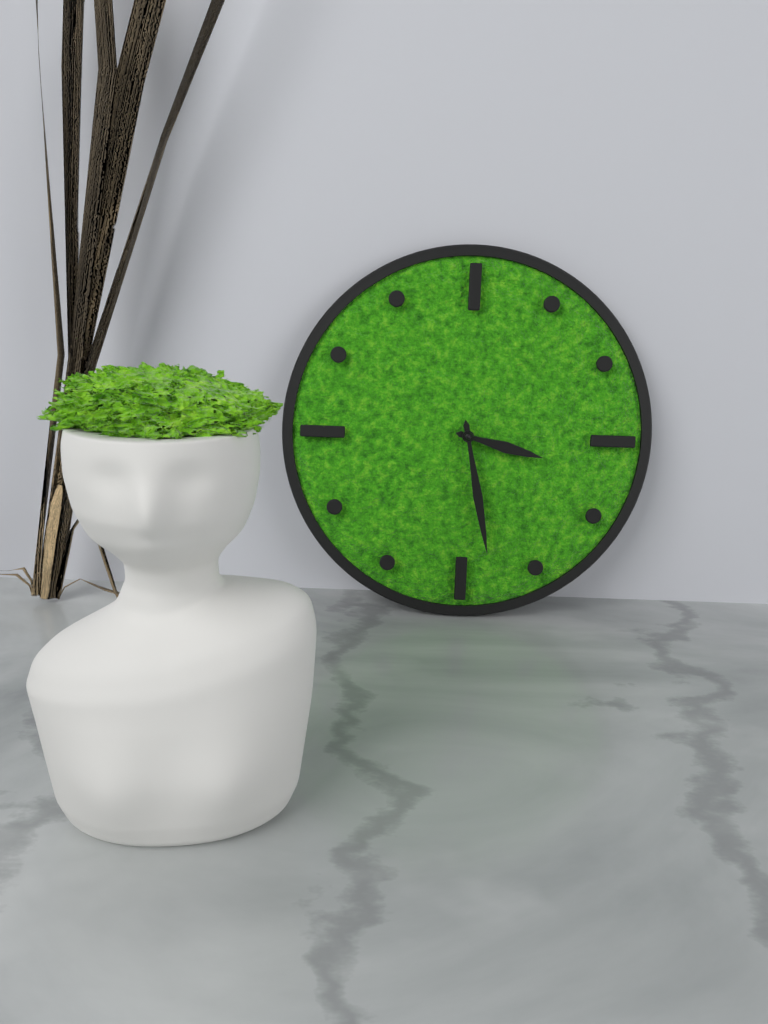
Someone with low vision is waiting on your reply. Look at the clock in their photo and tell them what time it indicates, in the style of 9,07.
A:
3,28
